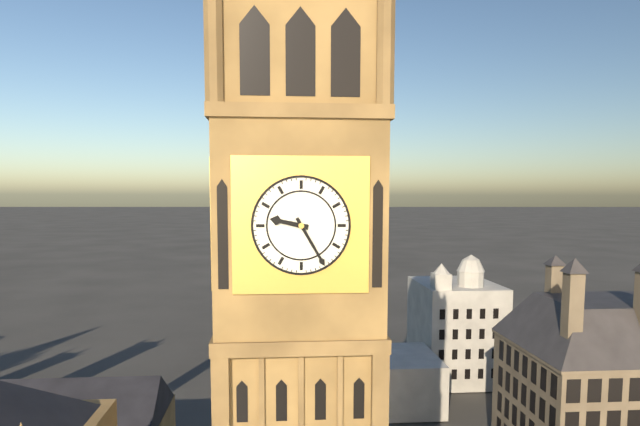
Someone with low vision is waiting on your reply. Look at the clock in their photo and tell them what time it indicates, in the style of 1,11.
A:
9,25
